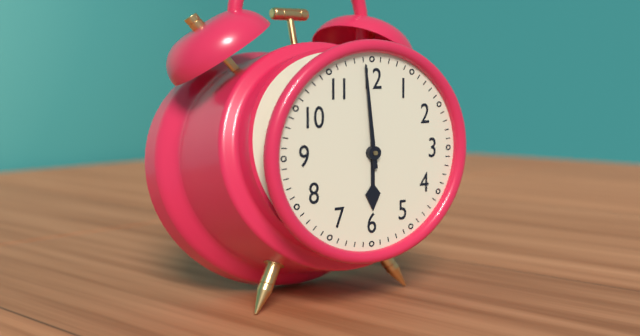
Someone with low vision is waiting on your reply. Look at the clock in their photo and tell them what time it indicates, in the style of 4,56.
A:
5,59
